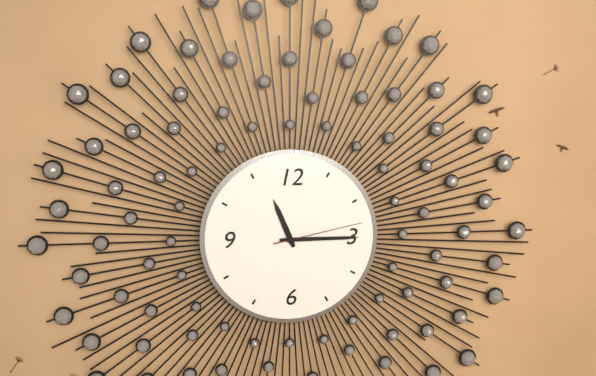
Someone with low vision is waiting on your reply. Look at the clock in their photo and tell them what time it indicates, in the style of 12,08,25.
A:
11,15,13
